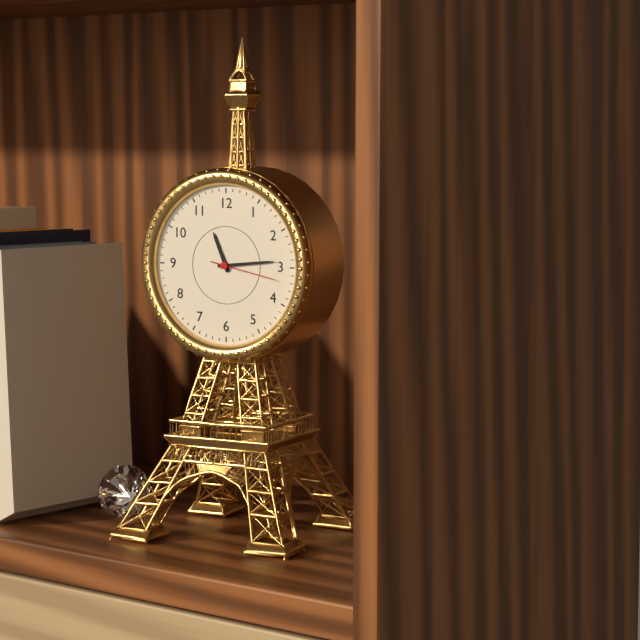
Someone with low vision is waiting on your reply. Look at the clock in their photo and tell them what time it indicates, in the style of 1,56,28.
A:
11,14,17
